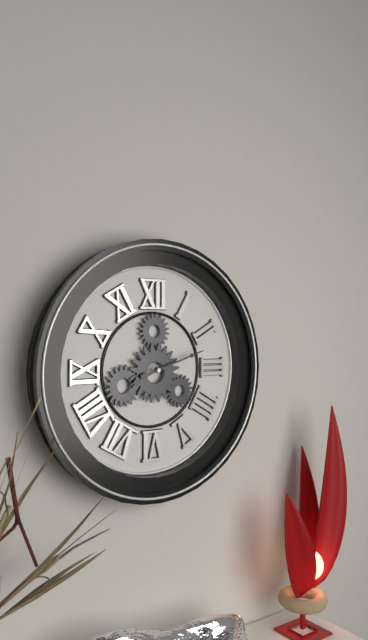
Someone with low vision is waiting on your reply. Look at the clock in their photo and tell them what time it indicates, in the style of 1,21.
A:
8,12
